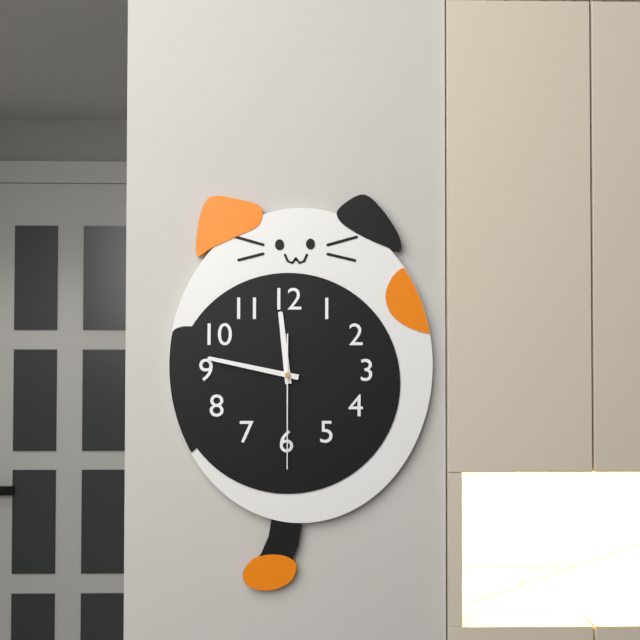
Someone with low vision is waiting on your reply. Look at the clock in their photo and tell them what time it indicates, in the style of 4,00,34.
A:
11,47,30
